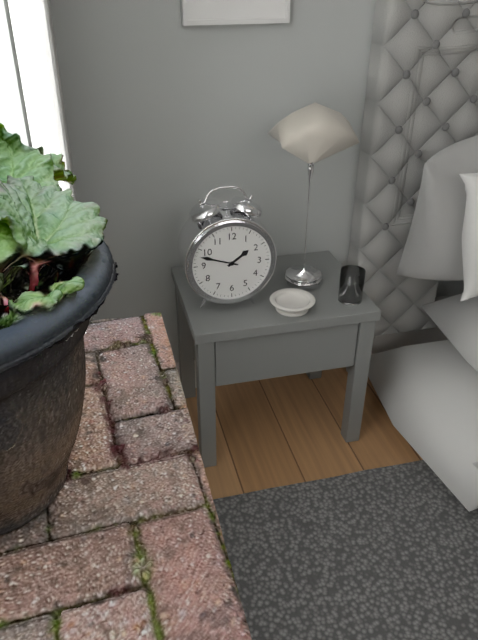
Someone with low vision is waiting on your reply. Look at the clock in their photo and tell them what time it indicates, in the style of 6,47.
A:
1,48
